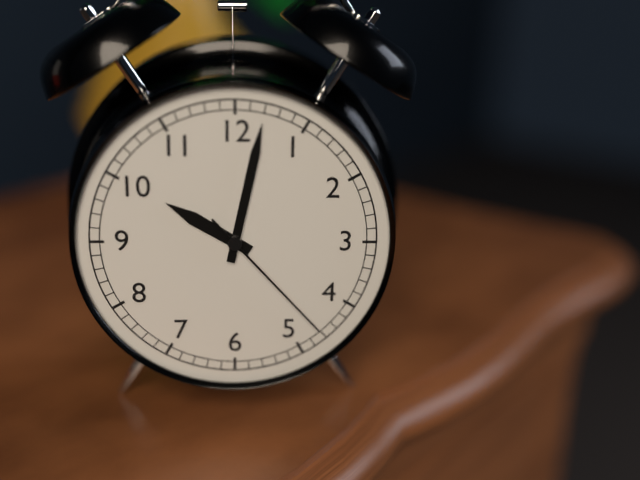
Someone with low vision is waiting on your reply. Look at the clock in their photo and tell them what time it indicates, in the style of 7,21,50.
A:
10,02,23
